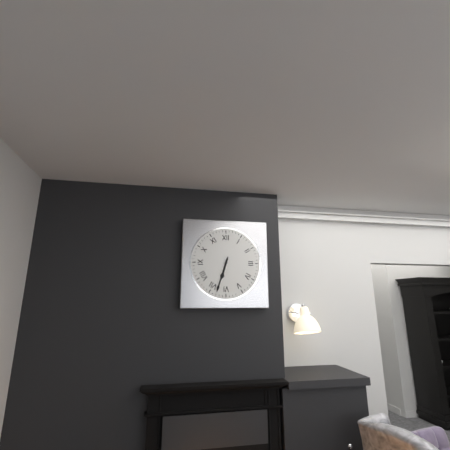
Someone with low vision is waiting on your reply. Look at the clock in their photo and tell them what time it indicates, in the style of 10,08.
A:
6,33
